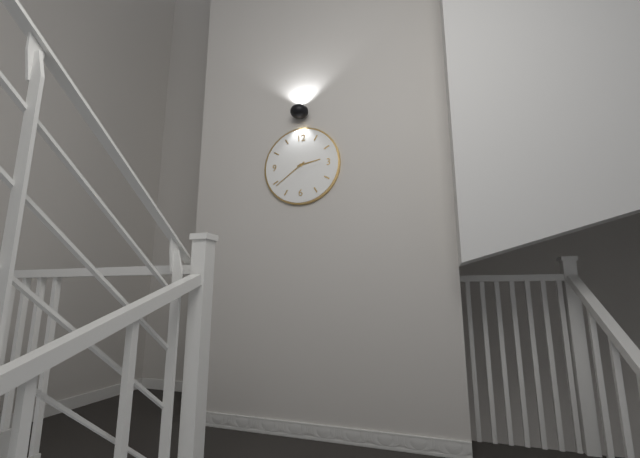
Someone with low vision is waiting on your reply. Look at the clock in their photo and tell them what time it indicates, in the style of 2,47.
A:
2,39
